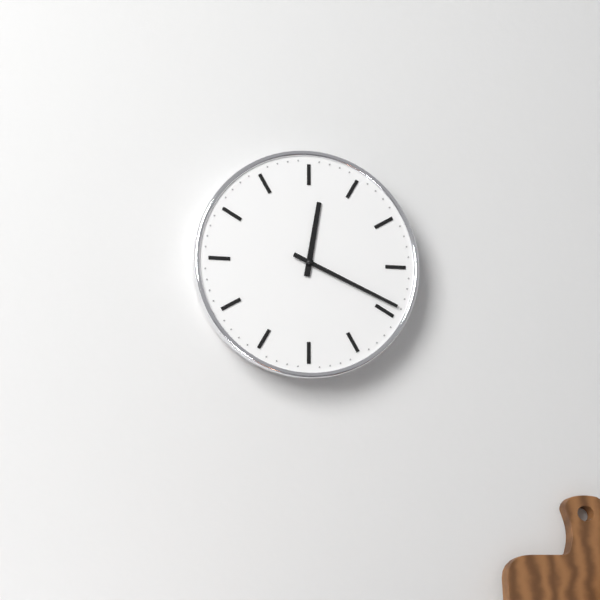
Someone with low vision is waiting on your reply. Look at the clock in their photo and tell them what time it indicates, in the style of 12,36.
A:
12,19
